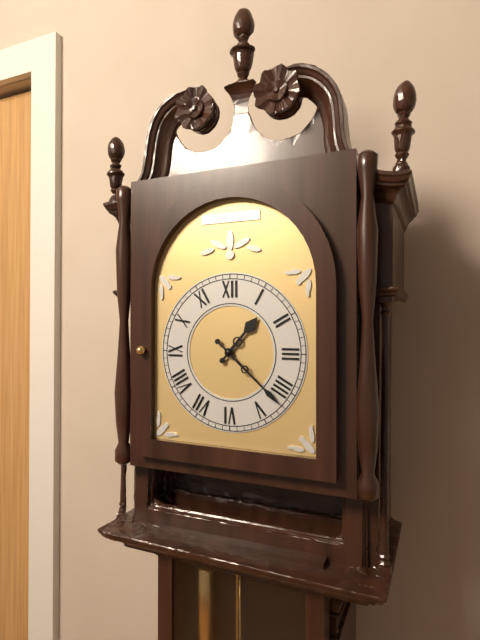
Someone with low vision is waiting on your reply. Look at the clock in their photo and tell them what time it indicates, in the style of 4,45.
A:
1,22
